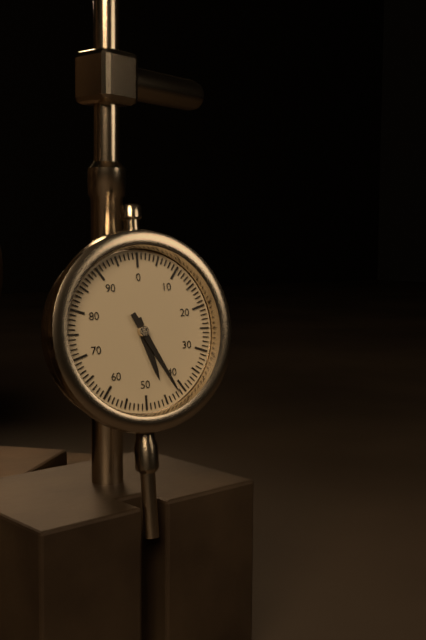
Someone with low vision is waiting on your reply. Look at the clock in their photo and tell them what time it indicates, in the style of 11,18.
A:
5,25
